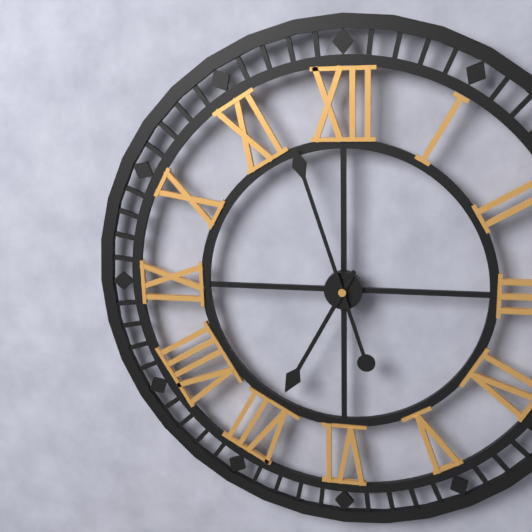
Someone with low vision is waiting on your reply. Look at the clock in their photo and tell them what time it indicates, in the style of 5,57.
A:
6,57
